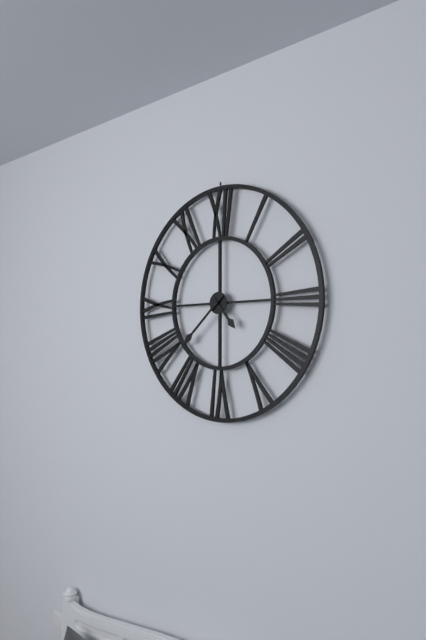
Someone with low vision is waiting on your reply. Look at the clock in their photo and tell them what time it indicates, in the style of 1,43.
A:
4,38
